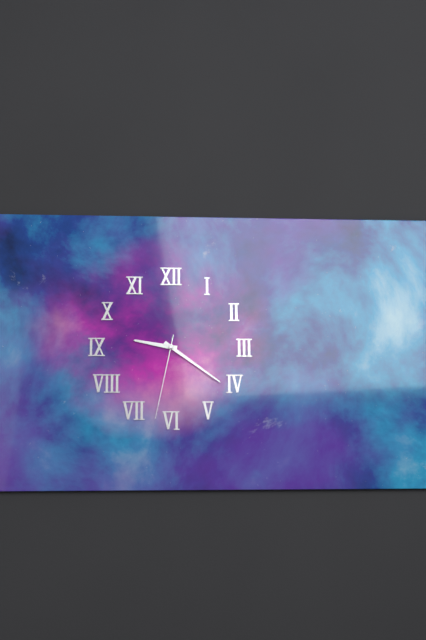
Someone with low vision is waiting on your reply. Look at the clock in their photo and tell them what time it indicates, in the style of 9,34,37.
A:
9,21,32
